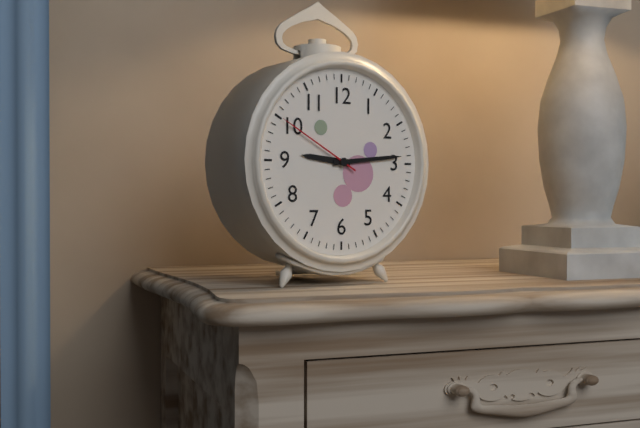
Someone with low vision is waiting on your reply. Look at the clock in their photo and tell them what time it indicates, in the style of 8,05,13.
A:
9,14,50
